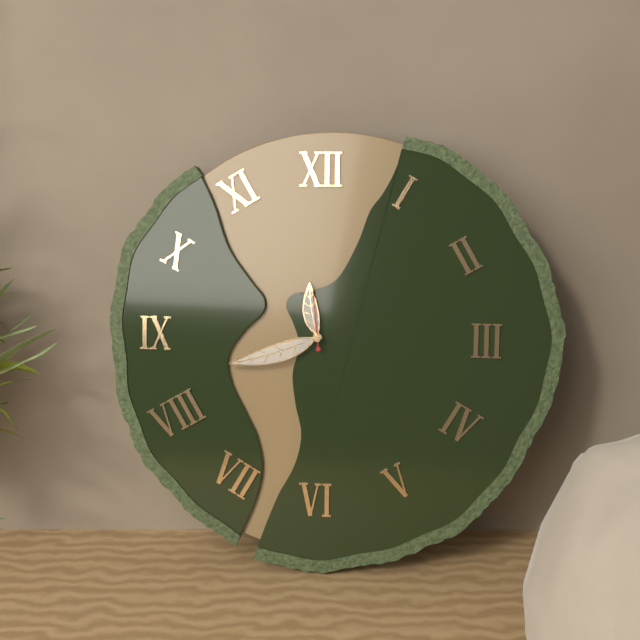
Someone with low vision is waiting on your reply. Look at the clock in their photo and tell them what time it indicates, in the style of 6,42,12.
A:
11,42,59
